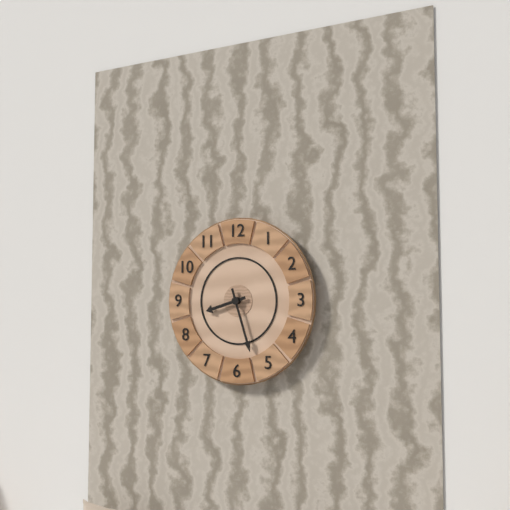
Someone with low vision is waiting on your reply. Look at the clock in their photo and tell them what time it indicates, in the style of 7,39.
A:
8,27
